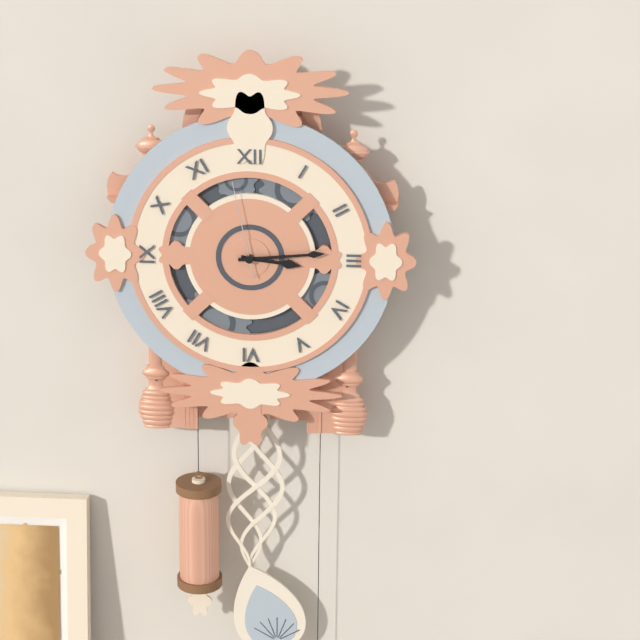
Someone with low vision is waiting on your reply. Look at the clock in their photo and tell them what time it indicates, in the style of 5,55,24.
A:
3,14,58
